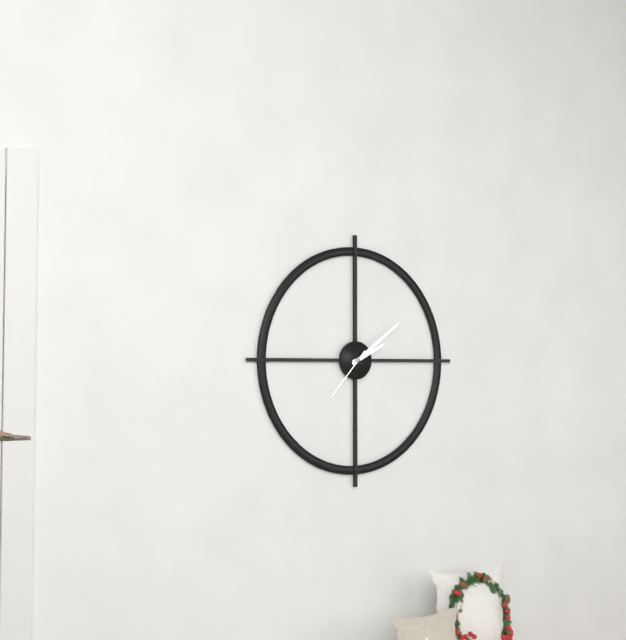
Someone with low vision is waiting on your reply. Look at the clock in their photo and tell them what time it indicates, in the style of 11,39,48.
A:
2,09,37
